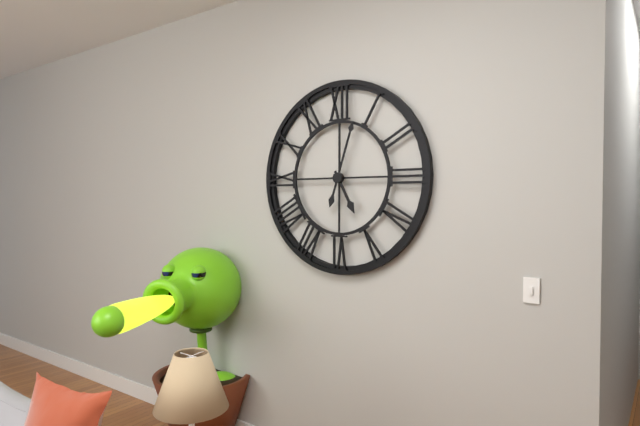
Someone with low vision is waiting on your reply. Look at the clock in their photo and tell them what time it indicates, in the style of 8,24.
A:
5,03
